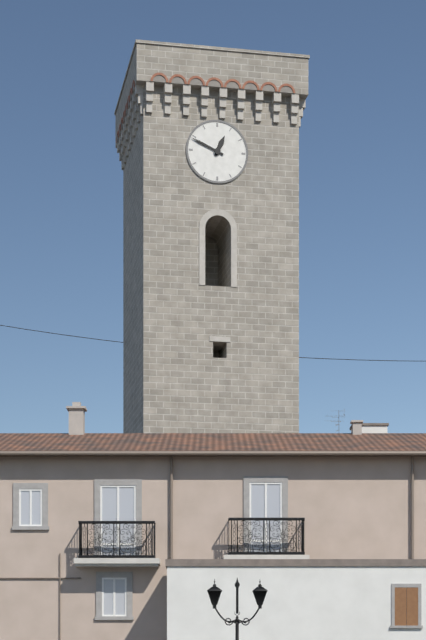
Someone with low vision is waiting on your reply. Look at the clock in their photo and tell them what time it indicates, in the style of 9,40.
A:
12,49
